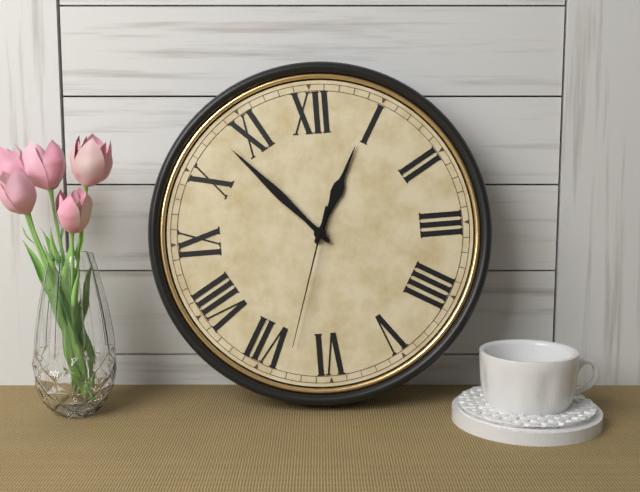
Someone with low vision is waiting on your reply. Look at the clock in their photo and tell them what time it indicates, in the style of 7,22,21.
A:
12,53,33
